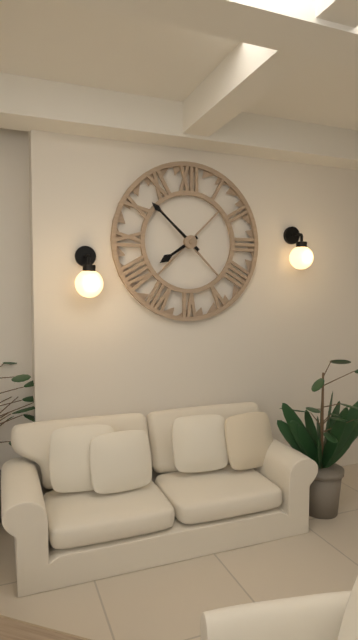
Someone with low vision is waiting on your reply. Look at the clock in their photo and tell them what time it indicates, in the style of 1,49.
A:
7,52
